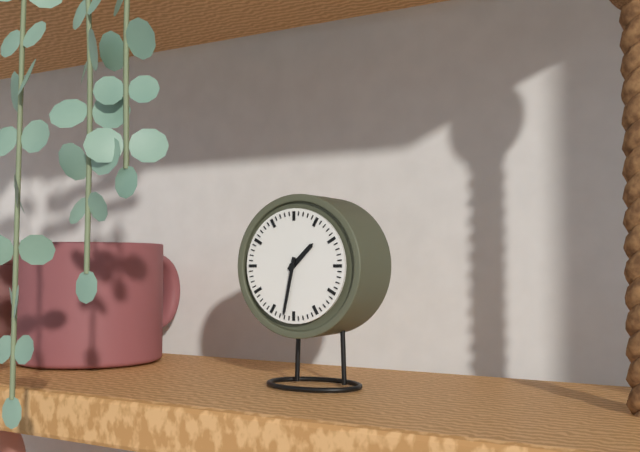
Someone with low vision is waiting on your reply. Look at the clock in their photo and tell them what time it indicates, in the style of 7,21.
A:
1,32
